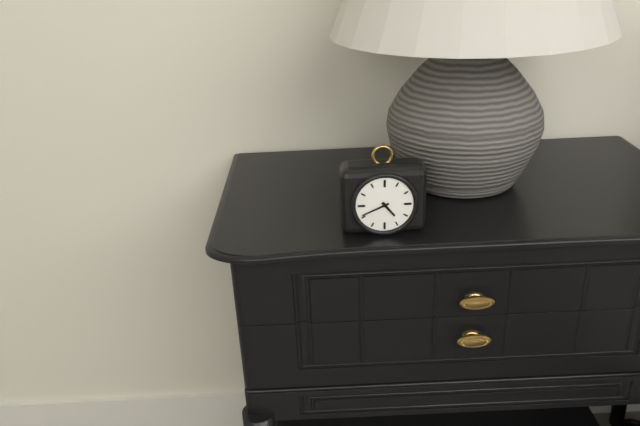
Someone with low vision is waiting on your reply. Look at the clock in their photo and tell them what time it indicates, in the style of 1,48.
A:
4,41
